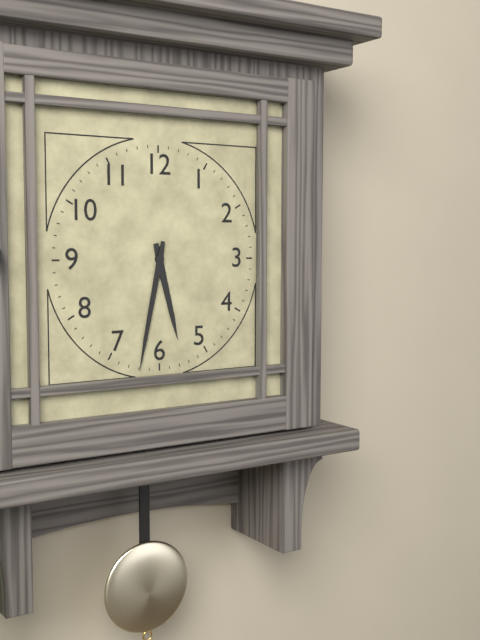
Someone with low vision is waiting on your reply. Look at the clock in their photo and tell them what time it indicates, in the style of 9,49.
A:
5,32
